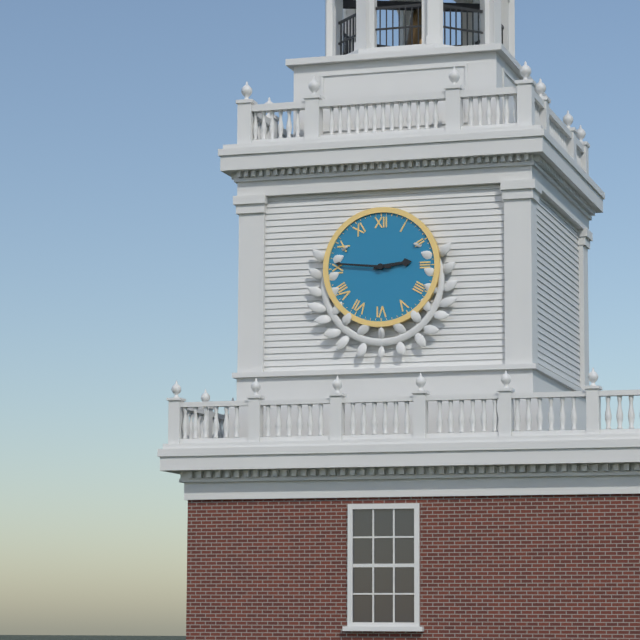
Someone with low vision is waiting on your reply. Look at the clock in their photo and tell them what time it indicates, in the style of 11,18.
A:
2,46
